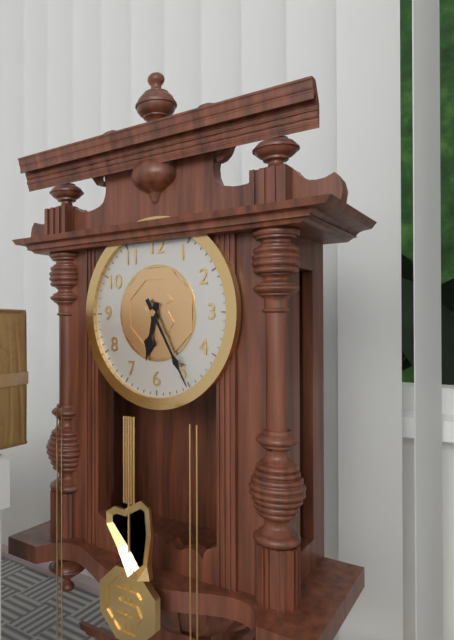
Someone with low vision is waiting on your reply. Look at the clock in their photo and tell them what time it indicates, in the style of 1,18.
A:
6,25
